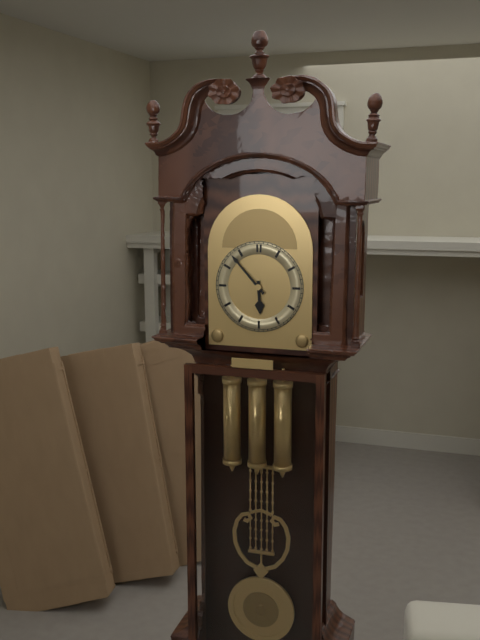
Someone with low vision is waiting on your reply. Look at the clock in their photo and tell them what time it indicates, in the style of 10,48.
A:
5,53
